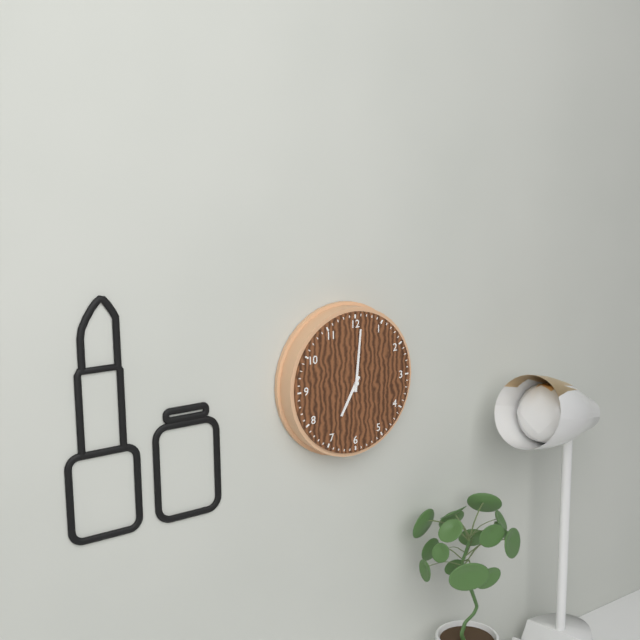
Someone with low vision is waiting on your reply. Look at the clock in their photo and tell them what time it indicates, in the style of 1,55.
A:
7,01
